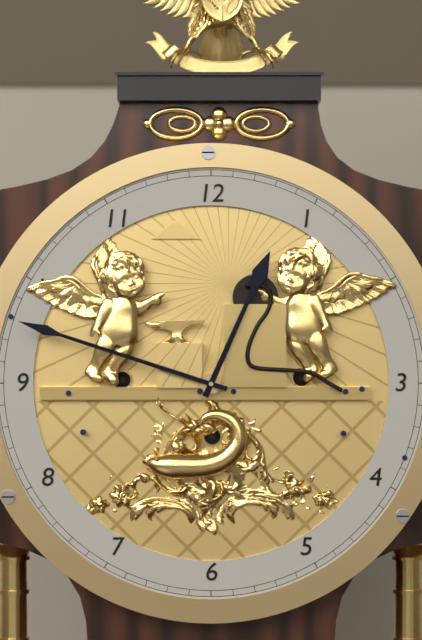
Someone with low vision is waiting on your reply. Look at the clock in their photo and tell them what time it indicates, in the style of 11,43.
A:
12,48
